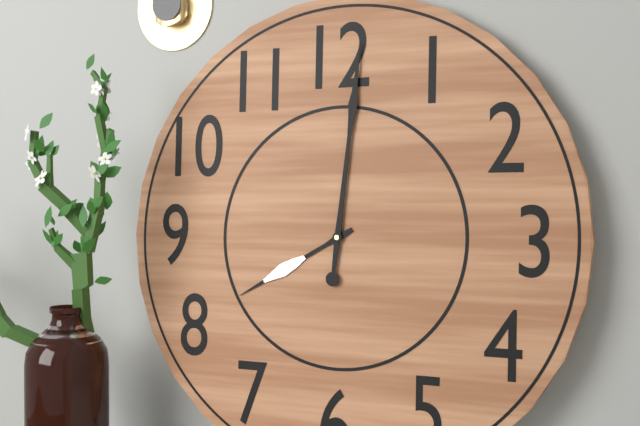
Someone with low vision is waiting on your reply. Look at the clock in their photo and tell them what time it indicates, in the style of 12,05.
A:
8,01
